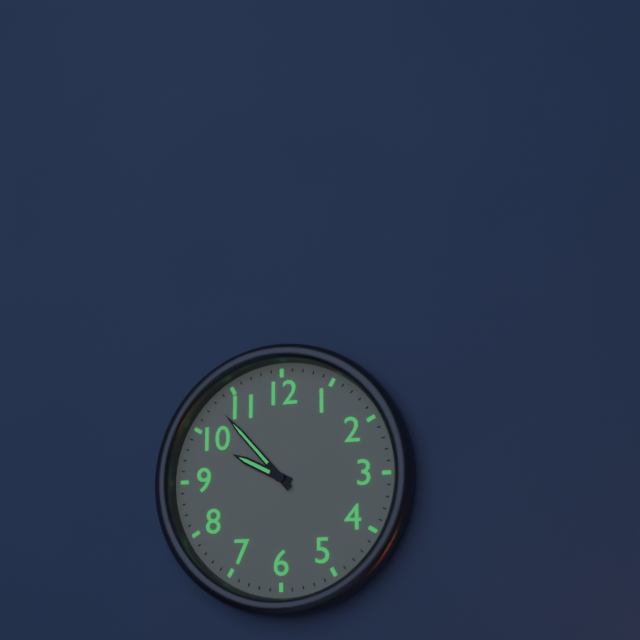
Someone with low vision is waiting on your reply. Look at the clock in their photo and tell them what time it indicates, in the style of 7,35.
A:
9,53
